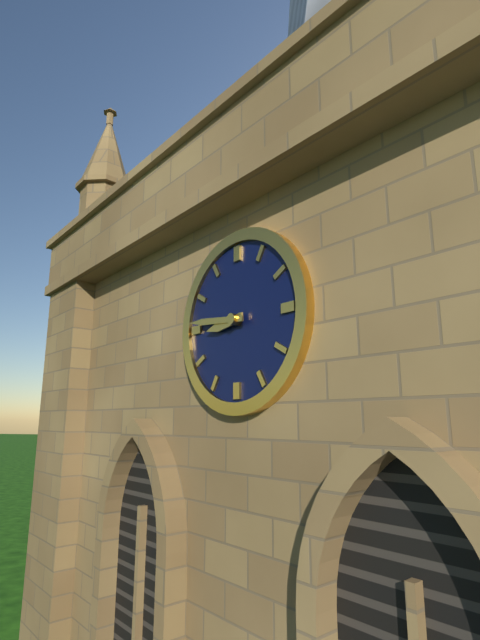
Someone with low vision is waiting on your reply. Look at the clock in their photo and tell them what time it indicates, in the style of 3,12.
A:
8,46
